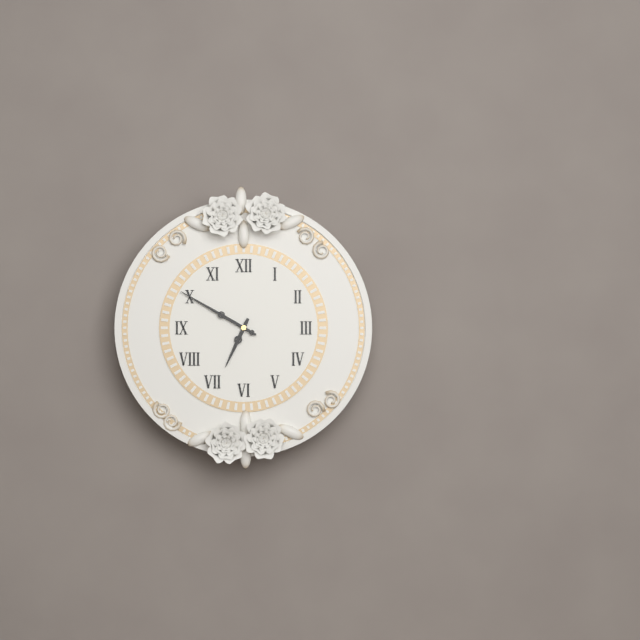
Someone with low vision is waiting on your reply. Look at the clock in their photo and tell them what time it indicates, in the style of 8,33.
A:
6,50
